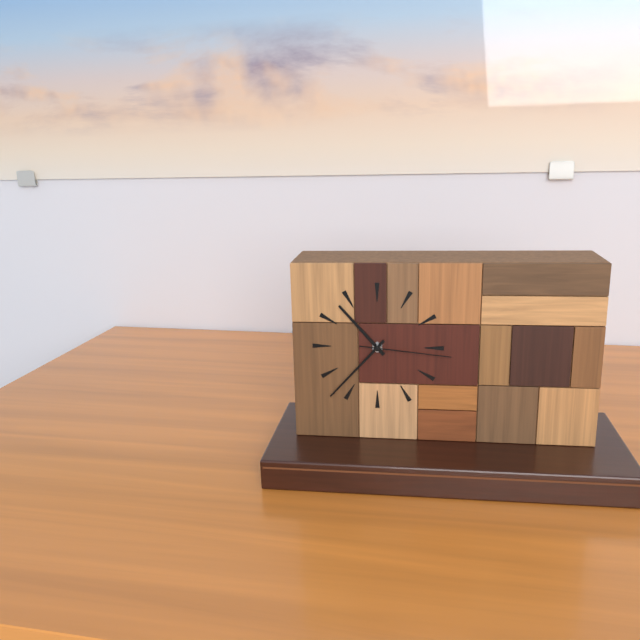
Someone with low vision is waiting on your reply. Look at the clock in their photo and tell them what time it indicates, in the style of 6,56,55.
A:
10,37,16
